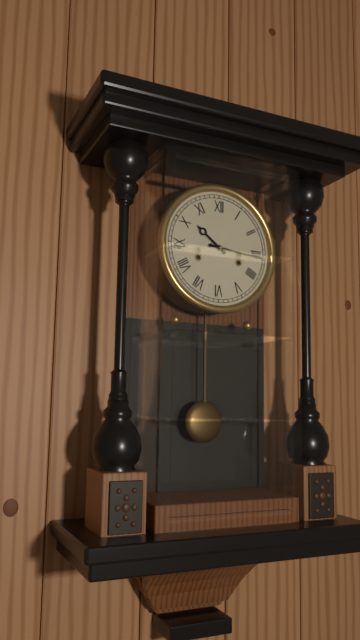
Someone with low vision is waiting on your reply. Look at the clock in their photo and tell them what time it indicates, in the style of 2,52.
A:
10,16
